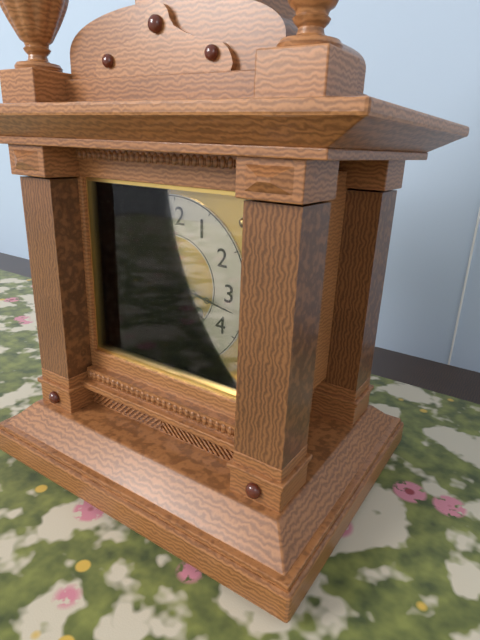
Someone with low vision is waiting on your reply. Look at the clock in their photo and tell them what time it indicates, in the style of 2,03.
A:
4,17
